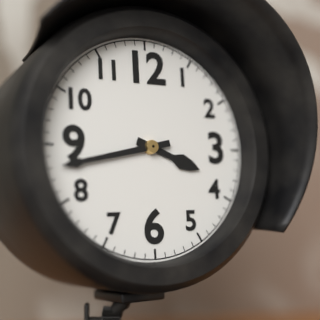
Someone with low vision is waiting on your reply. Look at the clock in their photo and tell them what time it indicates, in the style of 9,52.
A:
3,43
